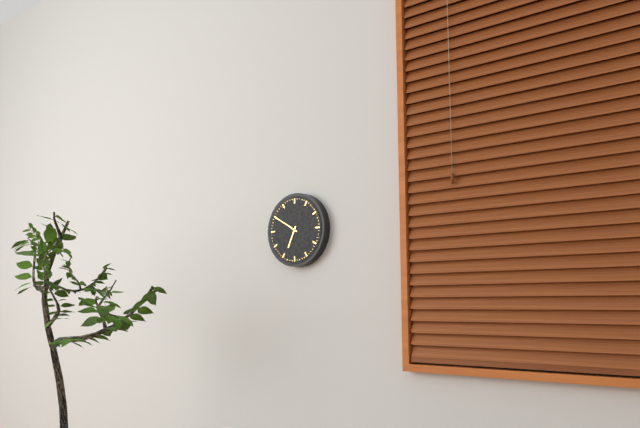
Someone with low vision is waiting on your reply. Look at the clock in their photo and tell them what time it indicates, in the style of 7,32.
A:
6,50
